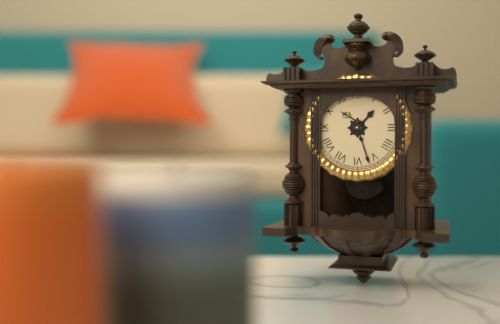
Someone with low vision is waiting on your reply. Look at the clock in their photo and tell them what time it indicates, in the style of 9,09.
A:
1,27
